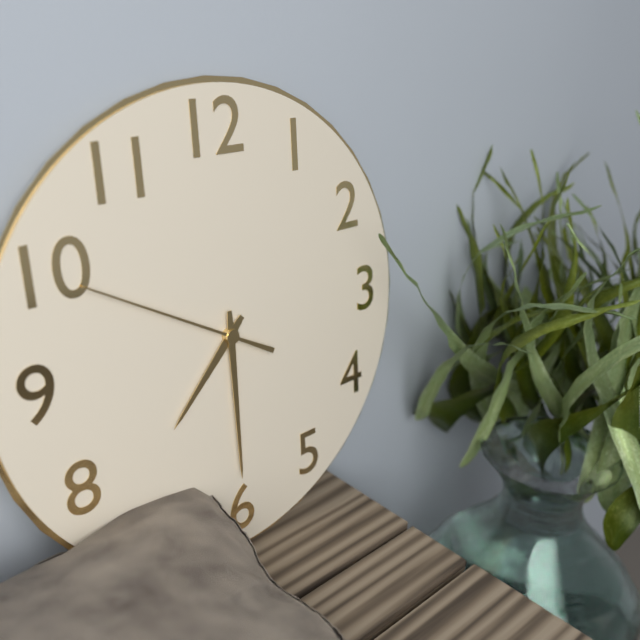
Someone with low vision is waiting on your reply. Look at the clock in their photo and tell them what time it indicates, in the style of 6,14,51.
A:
7,30,50
